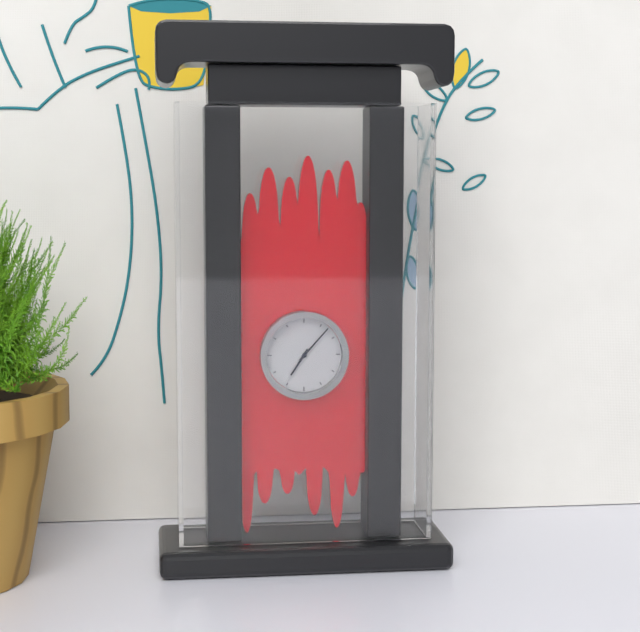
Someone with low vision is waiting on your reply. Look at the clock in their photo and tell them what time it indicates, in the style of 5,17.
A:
7,07
